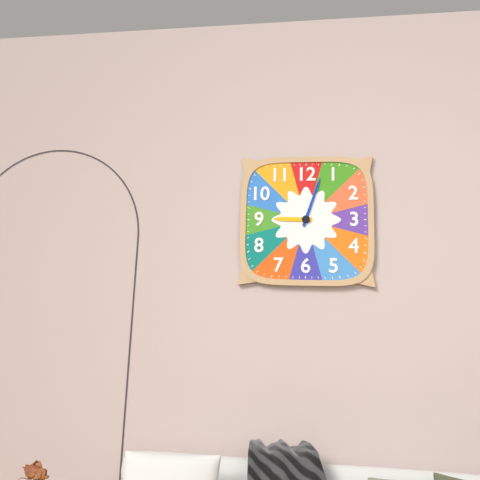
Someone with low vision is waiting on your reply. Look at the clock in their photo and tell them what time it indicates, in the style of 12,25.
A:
9,03
